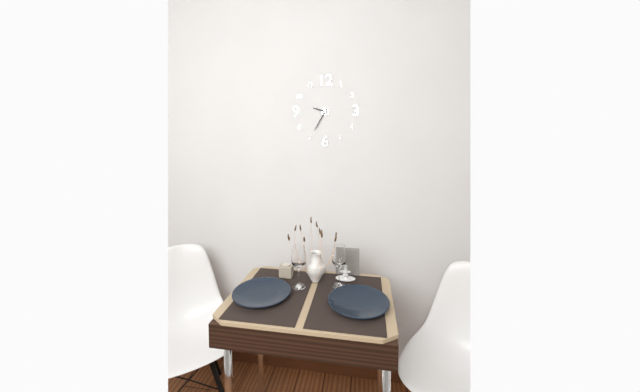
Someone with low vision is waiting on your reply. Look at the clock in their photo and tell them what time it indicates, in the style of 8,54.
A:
9,35
